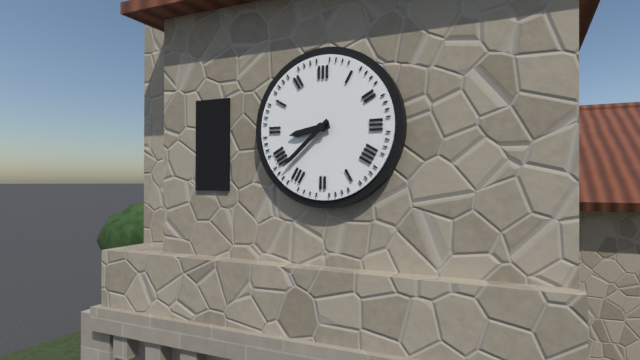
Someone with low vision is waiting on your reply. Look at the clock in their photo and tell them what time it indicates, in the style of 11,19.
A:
8,38
